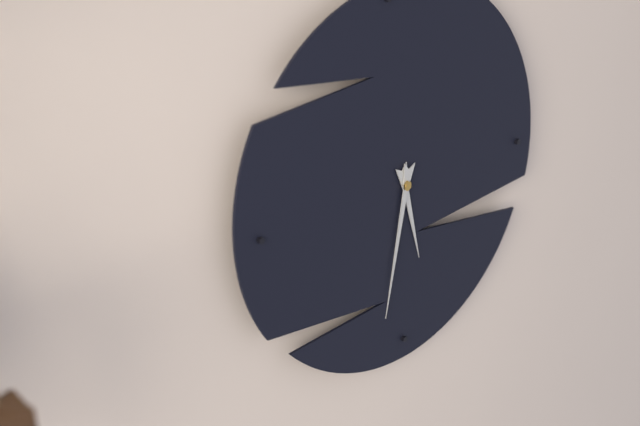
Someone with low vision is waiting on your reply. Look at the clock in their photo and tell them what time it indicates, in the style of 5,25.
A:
5,32
